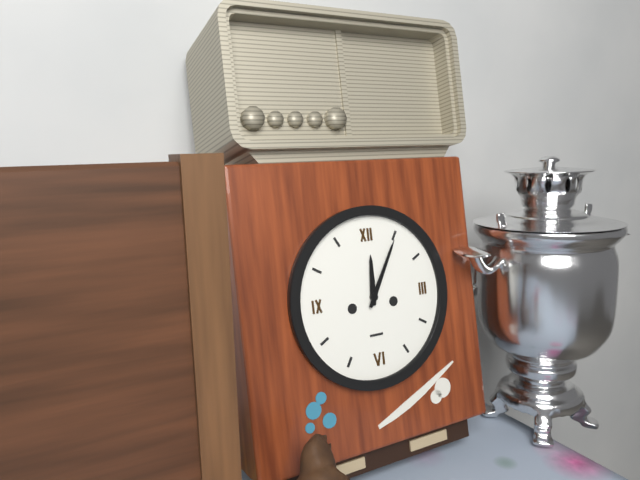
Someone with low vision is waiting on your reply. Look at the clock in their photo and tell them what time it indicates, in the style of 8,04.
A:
12,05
